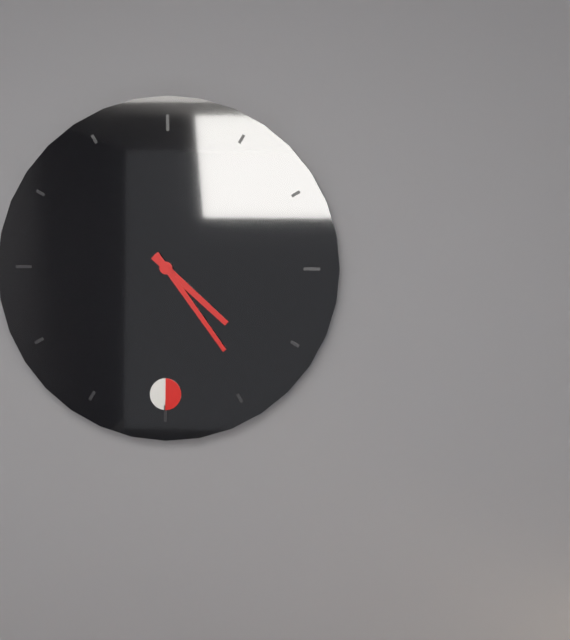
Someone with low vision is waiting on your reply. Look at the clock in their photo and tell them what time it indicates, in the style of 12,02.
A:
4,24
